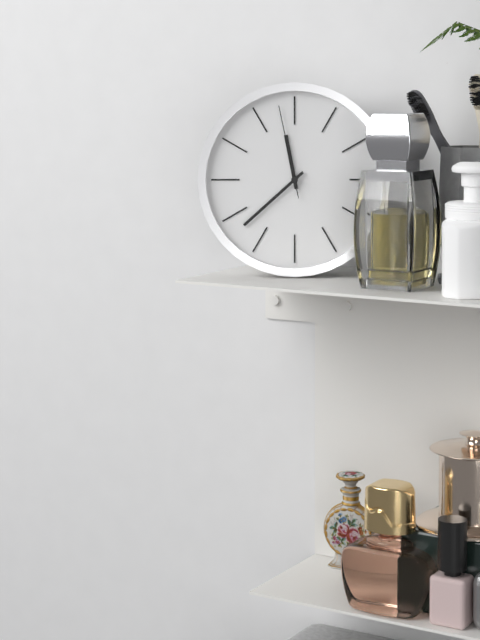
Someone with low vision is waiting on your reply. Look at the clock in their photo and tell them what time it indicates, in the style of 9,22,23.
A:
11,38,58
